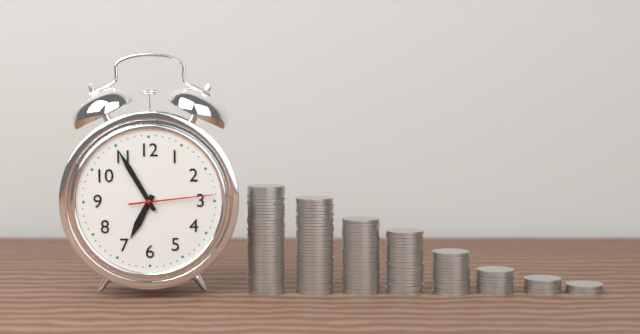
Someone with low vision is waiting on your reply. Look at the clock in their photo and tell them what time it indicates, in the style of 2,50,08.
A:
6,55,14
